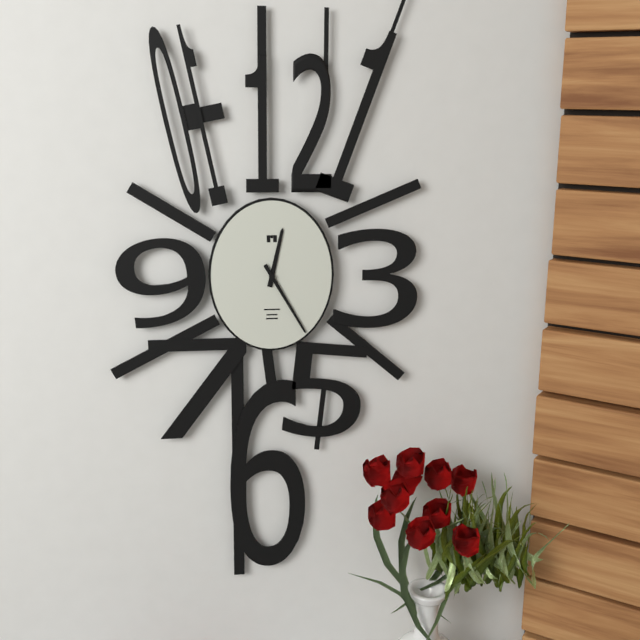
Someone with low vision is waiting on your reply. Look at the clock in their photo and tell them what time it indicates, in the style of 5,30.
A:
12,25
